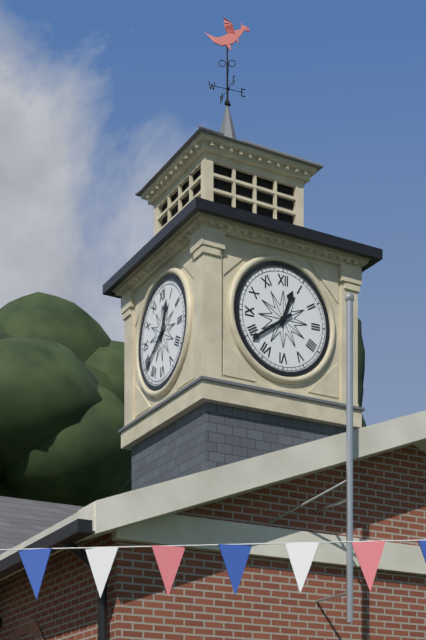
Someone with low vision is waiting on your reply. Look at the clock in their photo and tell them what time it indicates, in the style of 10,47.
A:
12,39
